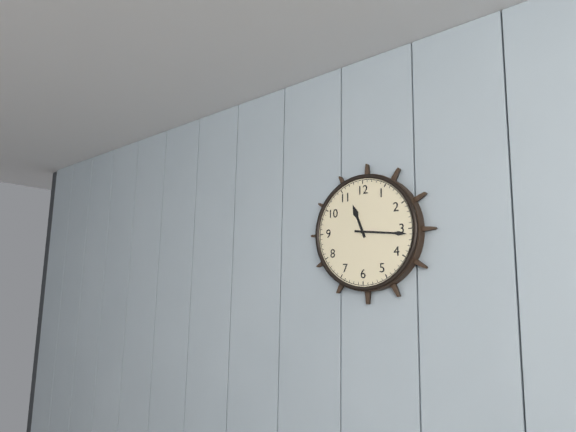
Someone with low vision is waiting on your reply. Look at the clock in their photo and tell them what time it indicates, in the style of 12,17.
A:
11,16
